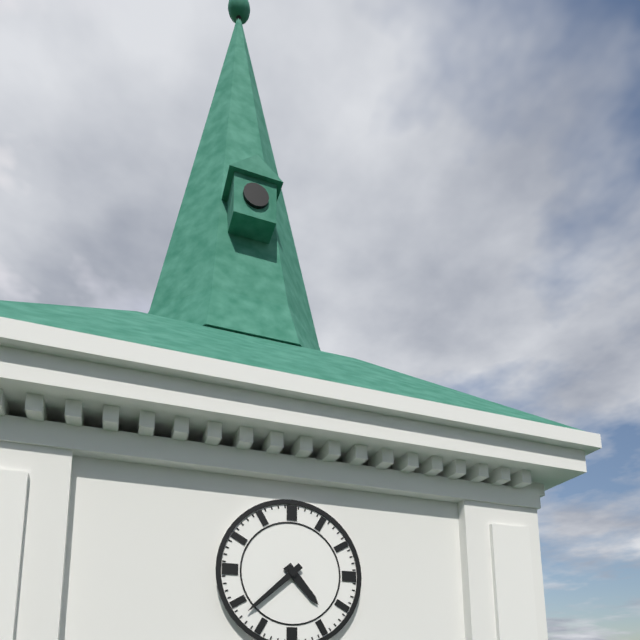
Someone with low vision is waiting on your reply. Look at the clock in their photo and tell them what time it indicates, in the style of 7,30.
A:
4,38
